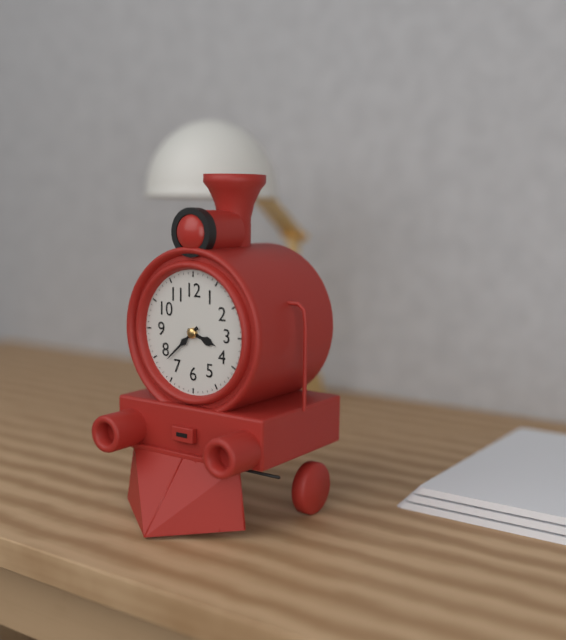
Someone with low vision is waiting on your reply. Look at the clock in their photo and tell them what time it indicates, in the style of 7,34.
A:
3,38
